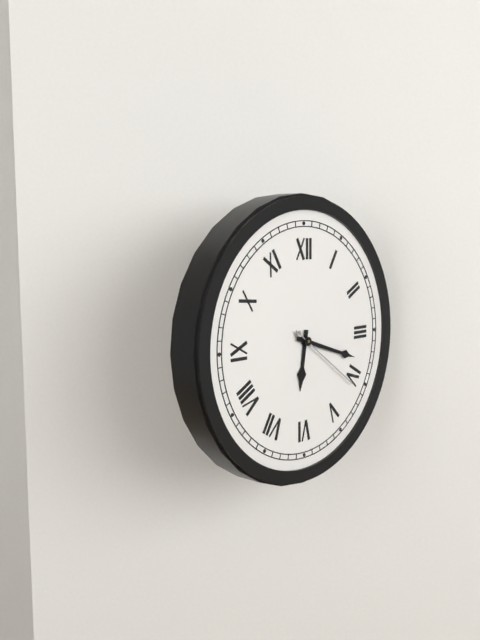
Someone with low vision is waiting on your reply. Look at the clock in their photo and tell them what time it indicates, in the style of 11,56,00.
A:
6,18,21
